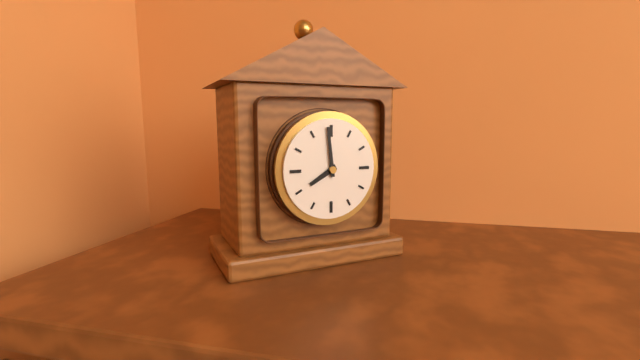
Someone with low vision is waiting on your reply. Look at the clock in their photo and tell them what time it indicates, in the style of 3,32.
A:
7,59
